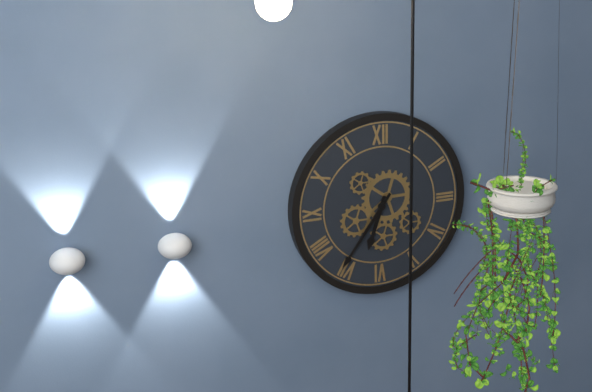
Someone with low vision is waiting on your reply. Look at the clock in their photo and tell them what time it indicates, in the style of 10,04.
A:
6,36
